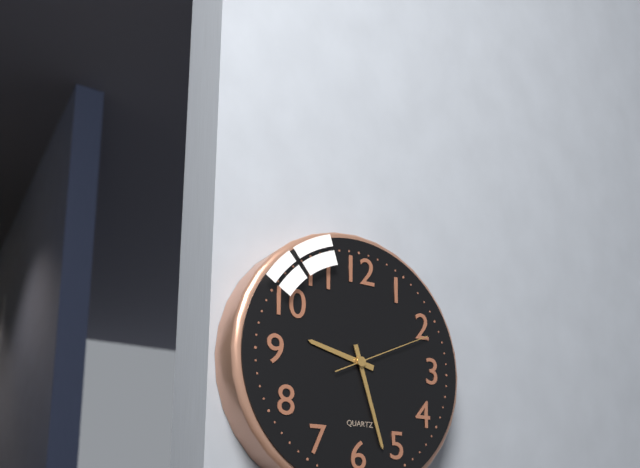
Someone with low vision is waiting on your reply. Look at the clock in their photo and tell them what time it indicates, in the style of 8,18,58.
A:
9,27,11
